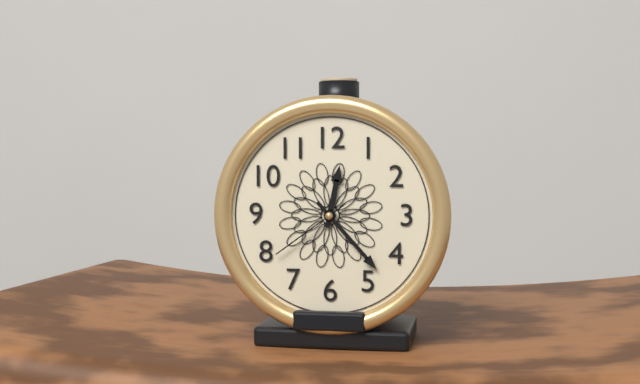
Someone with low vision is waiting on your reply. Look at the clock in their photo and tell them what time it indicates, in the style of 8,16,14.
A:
12,23,39
